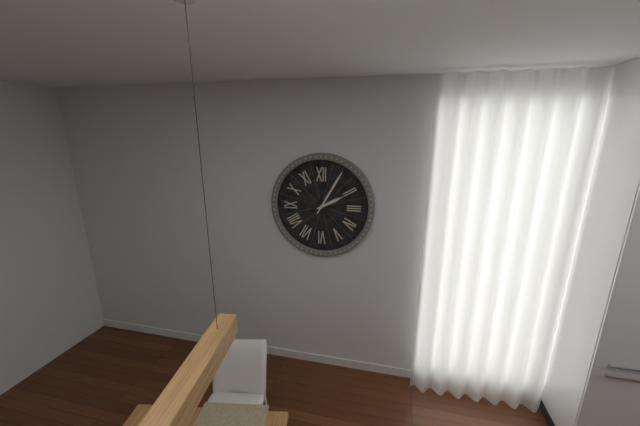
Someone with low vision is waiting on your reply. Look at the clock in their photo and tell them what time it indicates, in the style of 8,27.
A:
2,05
